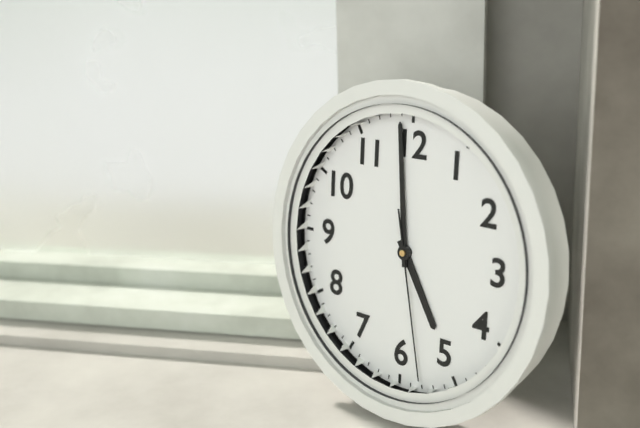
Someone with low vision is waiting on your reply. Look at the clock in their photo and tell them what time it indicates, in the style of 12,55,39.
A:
4,59,28
